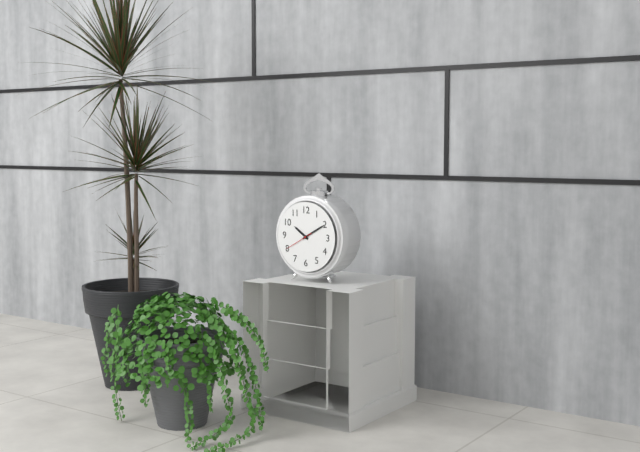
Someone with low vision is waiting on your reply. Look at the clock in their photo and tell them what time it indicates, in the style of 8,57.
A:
10,10
